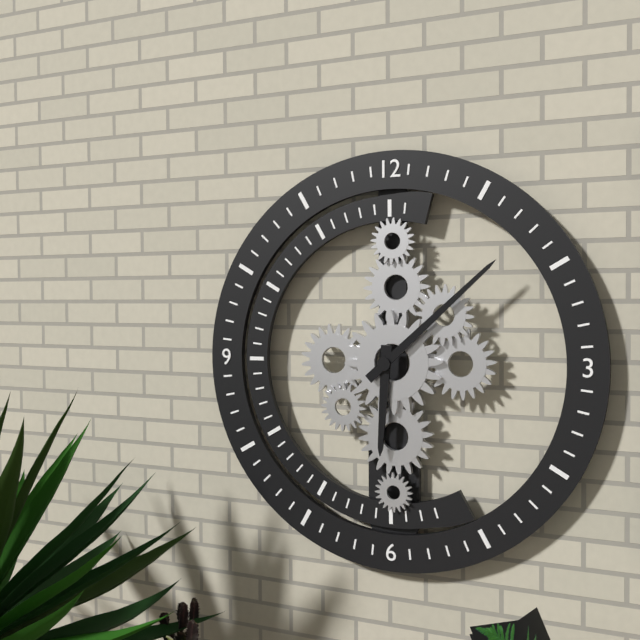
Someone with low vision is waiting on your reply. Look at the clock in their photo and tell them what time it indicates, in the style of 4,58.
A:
6,08
